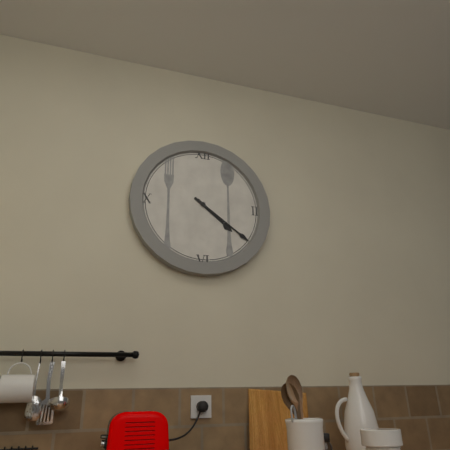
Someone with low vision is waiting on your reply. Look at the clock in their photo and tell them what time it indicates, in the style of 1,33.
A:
4,21
